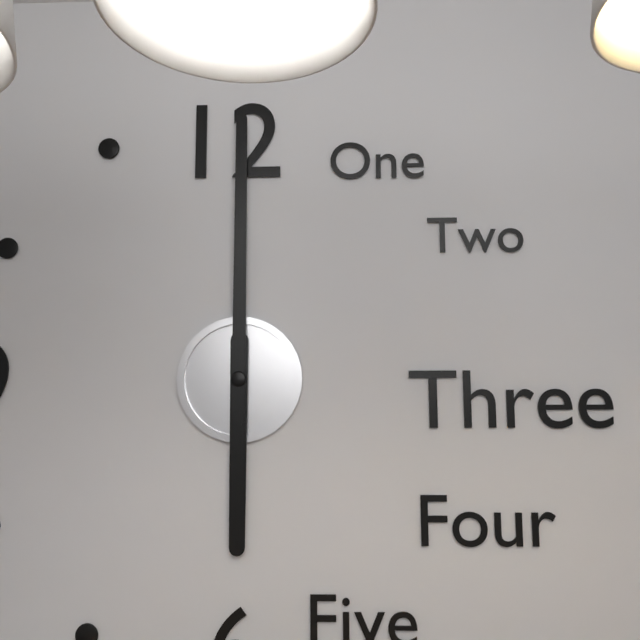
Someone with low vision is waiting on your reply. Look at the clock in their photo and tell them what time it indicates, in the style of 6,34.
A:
6,00
